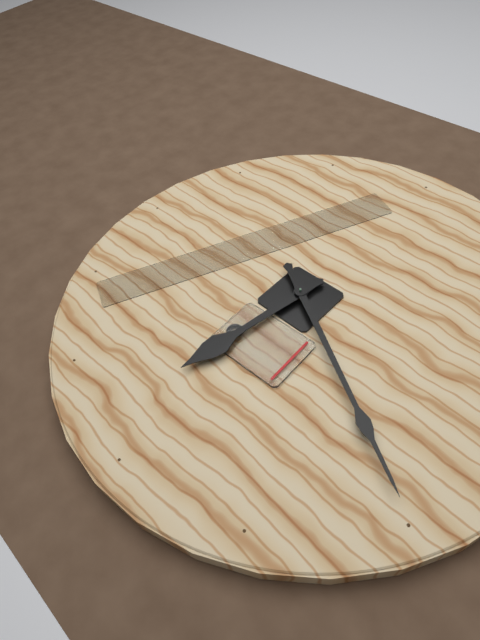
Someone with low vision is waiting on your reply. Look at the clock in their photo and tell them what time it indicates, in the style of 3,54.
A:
6,20
